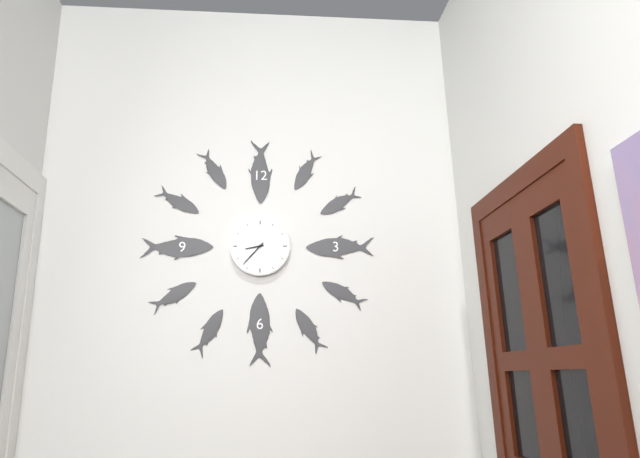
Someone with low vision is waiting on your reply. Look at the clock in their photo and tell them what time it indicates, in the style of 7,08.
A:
8,37
